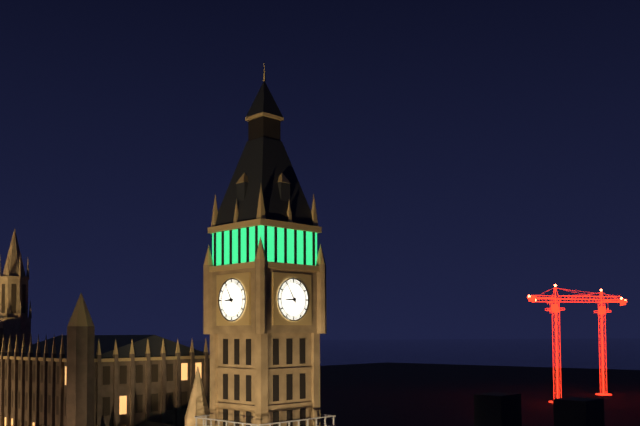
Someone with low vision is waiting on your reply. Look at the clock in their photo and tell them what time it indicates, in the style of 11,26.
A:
8,55
